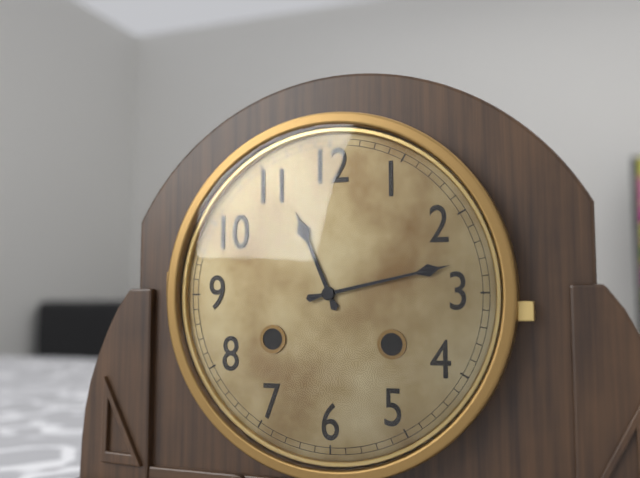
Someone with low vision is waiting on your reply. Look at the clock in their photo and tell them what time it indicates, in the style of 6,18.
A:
11,13
